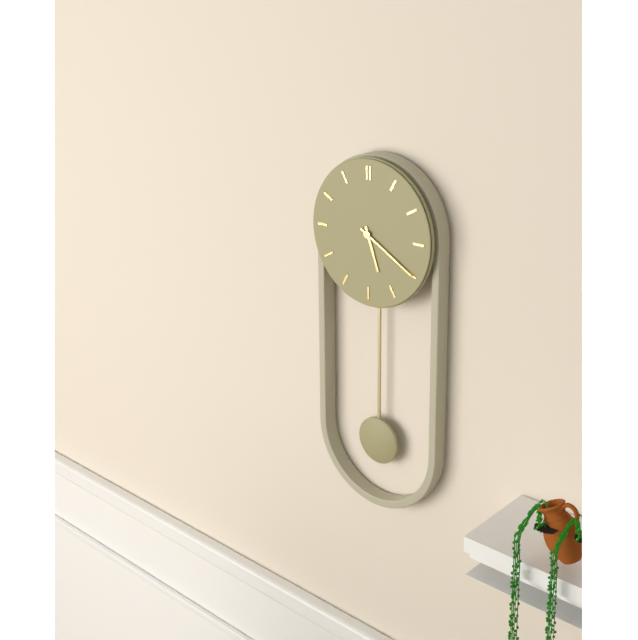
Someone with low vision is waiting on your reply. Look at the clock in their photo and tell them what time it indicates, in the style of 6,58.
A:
5,20
